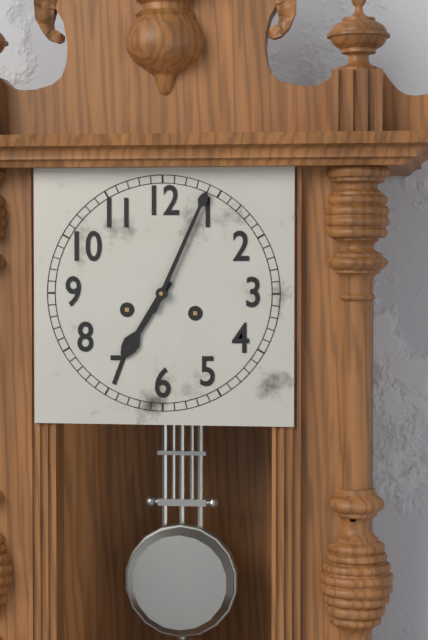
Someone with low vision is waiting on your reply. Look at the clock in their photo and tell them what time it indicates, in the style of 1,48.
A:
7,04
